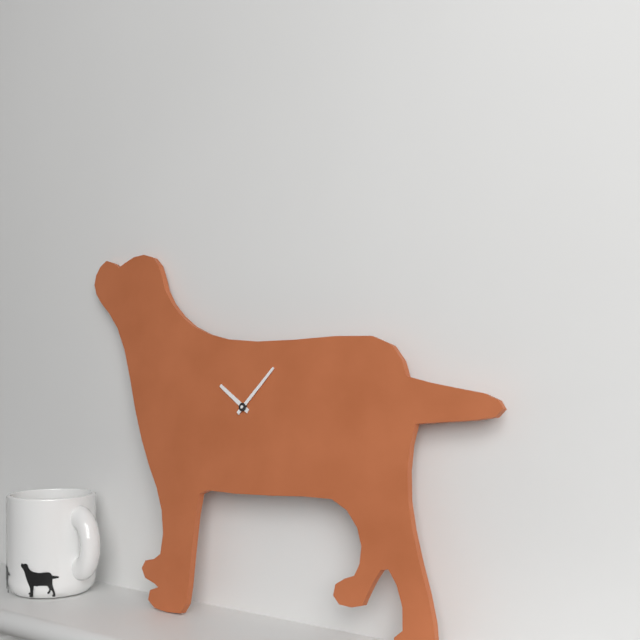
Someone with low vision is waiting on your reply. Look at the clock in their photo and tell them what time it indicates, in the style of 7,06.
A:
10,07
